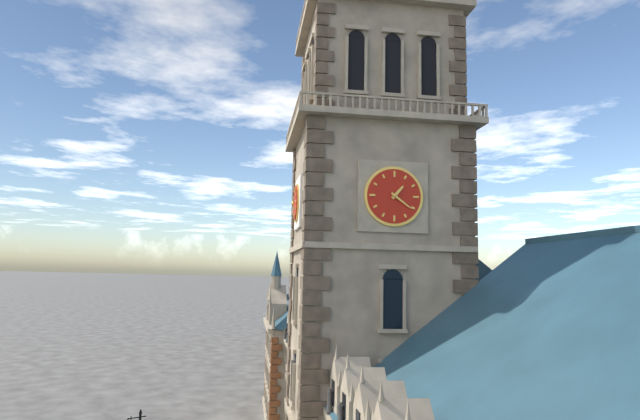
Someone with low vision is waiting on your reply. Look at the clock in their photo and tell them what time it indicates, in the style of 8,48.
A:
1,21
